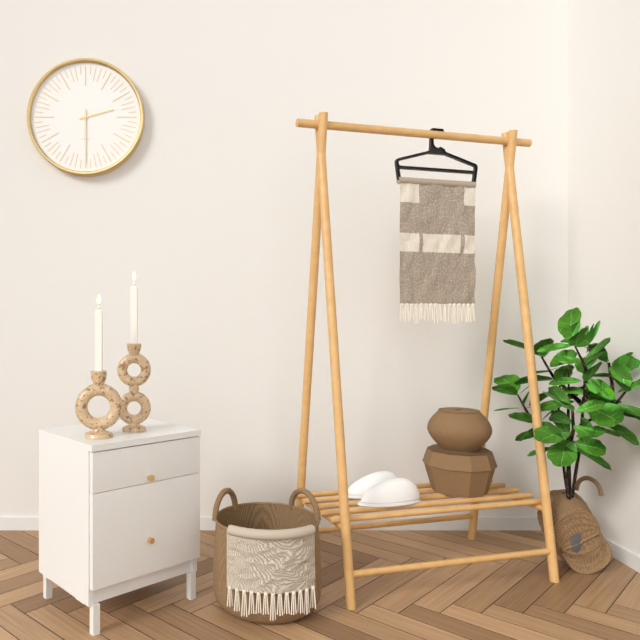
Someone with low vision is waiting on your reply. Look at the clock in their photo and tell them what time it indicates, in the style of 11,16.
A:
2,30
